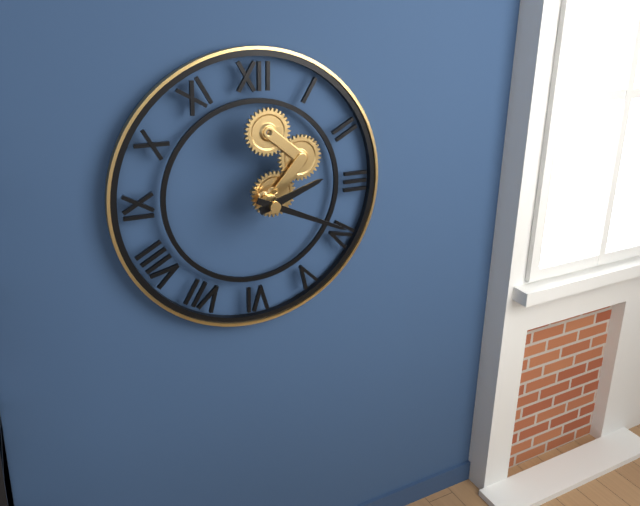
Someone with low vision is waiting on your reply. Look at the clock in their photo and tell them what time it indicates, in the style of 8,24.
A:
2,19
